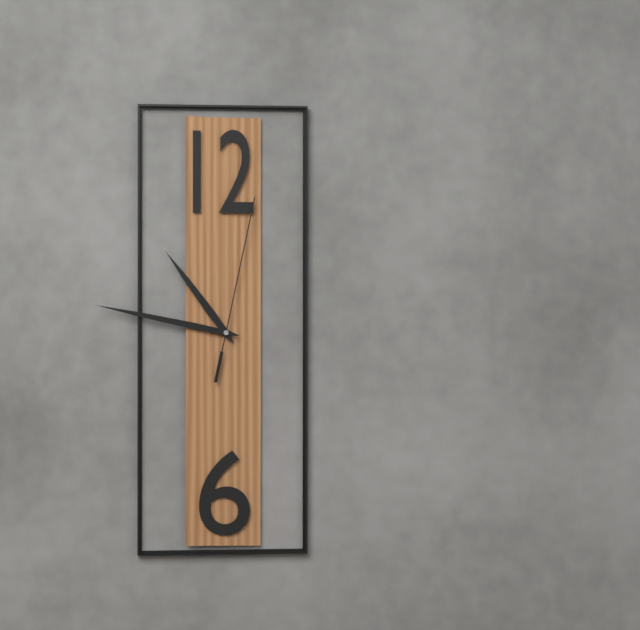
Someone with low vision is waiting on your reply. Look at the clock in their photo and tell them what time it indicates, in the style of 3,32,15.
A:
10,47,02
